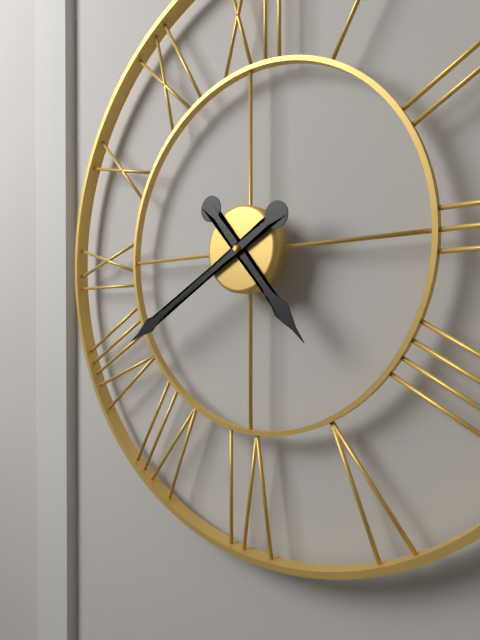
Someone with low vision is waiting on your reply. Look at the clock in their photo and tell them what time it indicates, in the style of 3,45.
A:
4,40
